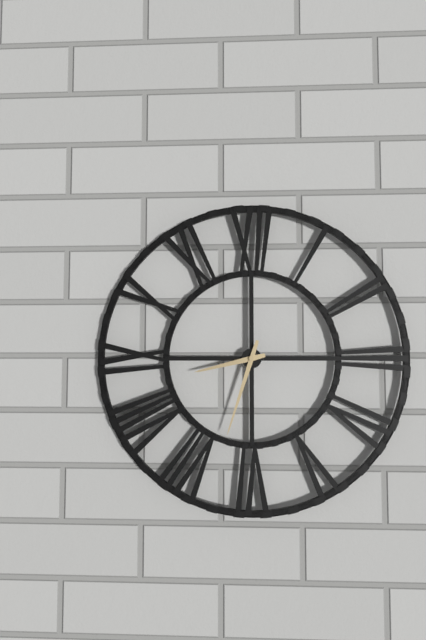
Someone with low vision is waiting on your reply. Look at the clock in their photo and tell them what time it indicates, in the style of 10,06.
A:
8,33
